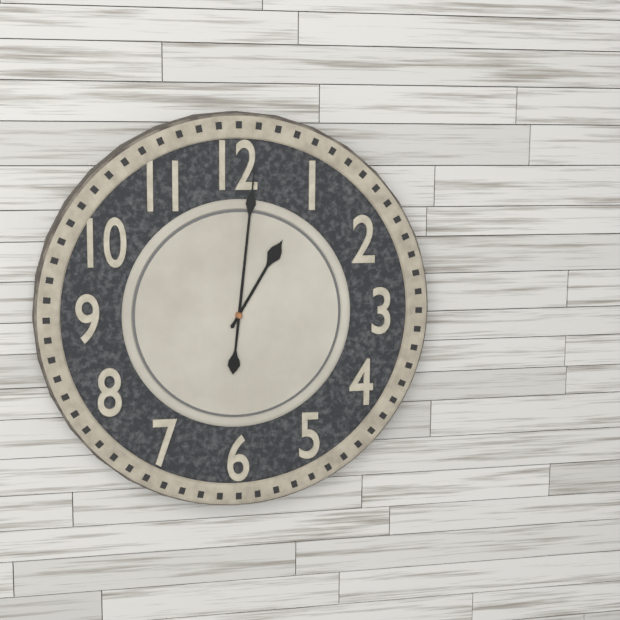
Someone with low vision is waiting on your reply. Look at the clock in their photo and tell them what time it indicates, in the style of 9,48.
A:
1,01
